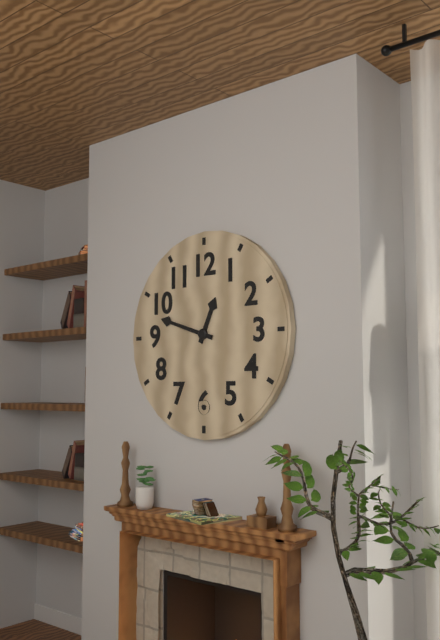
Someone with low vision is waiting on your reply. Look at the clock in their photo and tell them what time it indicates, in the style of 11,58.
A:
12,48
